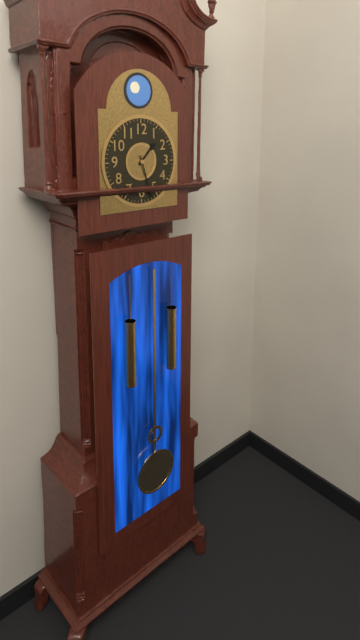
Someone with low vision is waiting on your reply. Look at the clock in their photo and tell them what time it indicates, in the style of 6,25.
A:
1,27
